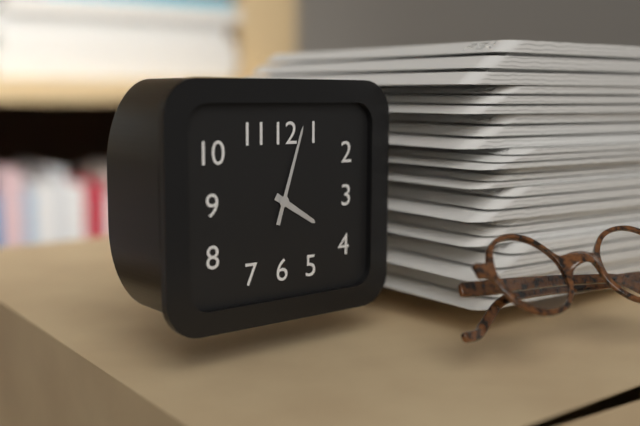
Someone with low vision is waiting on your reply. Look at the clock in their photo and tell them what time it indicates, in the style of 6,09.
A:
4,03
